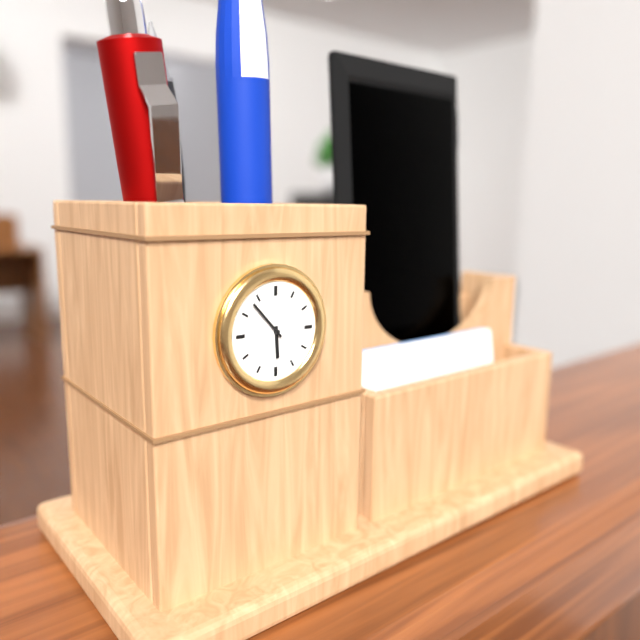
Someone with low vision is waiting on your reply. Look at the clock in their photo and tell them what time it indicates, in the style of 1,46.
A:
5,53
